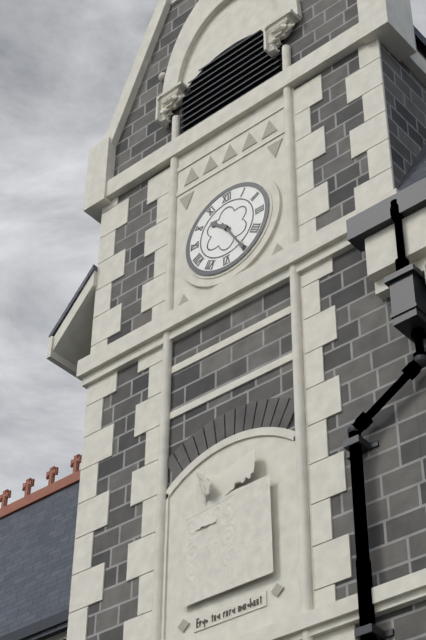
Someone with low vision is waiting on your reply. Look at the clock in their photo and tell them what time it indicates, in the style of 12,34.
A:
10,25
